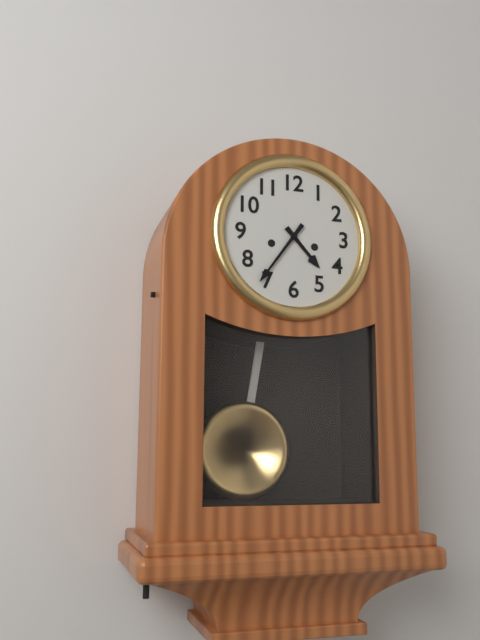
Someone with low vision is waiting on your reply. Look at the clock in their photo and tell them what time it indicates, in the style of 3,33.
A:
4,36
